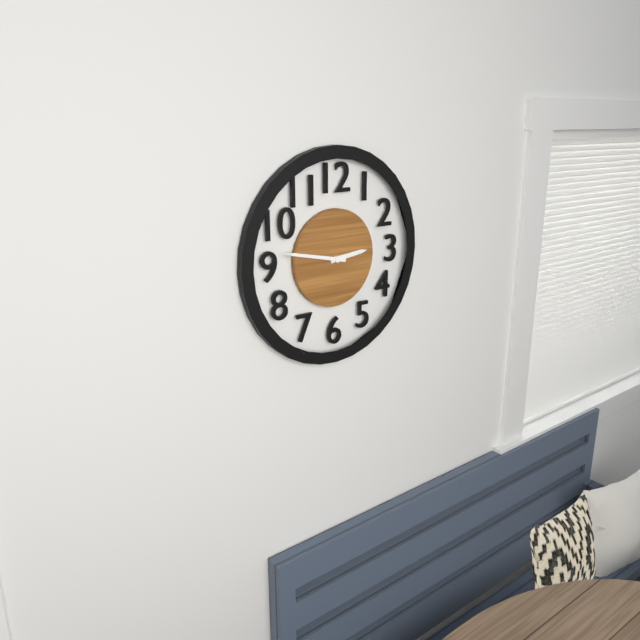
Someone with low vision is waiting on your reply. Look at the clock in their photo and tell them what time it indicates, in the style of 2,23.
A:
2,47
